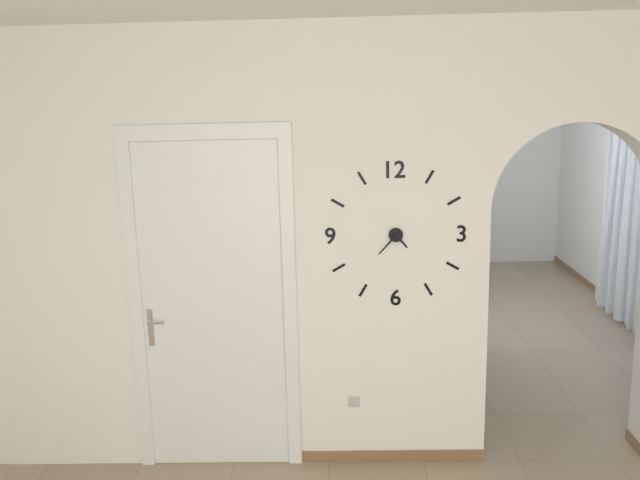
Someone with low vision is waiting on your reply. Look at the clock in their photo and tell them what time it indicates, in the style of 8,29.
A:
4,37
